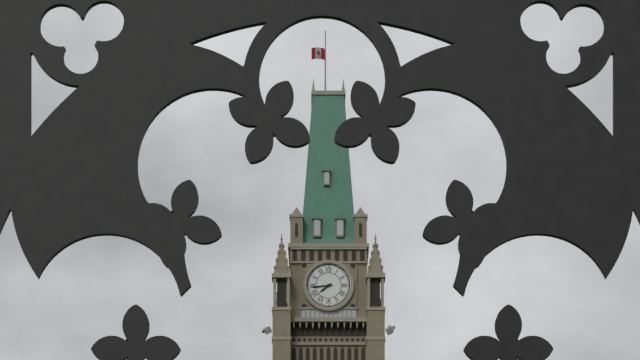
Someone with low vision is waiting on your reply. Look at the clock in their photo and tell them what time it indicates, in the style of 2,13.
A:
7,44
